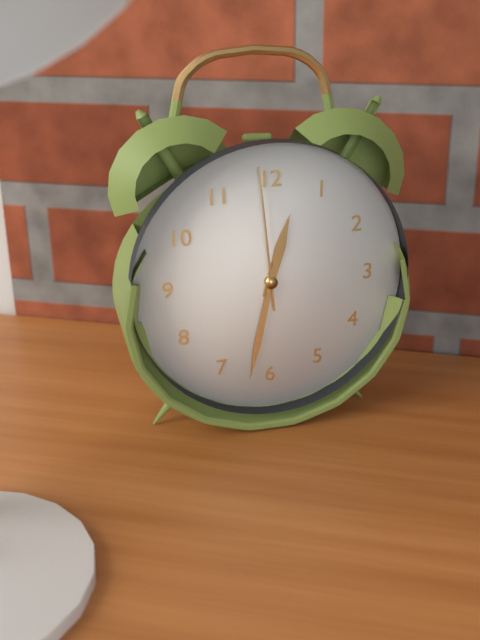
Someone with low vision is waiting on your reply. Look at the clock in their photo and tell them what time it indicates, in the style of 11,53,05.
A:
12,32,59
